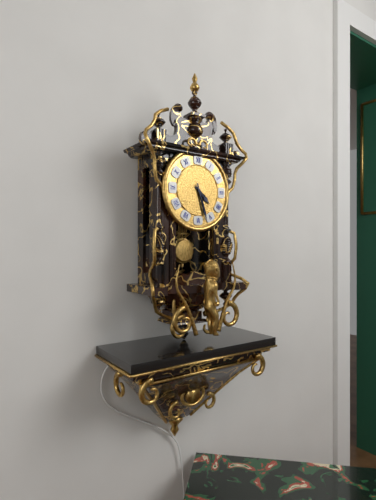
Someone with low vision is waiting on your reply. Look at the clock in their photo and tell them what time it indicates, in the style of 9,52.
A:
4,27
